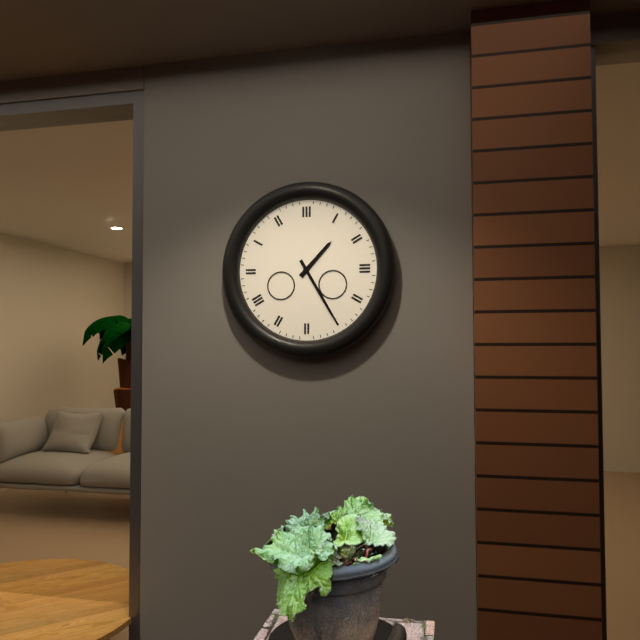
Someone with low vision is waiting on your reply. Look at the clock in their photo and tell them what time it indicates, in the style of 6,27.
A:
1,25
